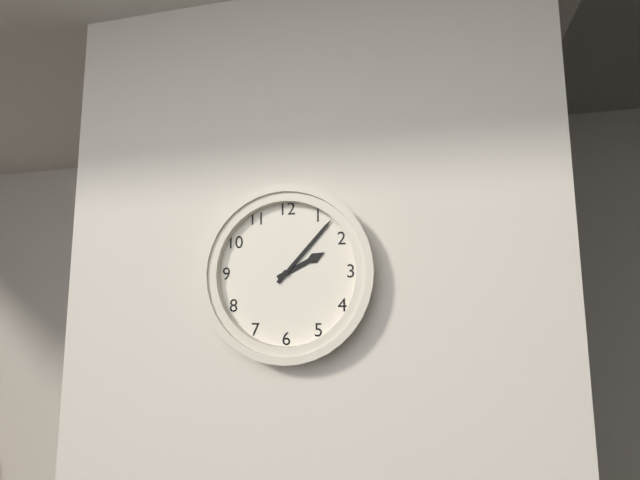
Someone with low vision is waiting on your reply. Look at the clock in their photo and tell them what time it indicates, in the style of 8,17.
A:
2,07
